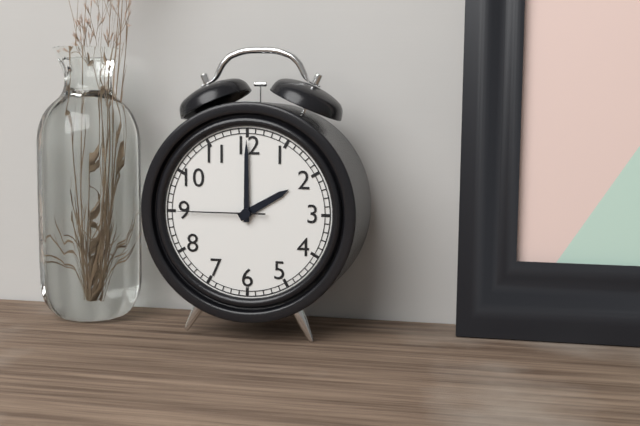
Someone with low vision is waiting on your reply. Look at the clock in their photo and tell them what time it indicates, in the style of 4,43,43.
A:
2,00,45
